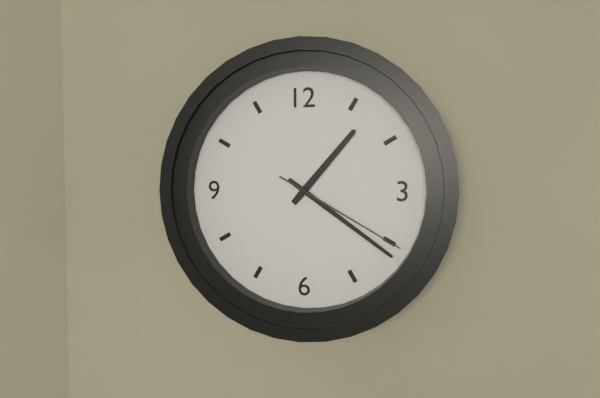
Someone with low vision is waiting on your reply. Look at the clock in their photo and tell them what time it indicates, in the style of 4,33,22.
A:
1,21,20
